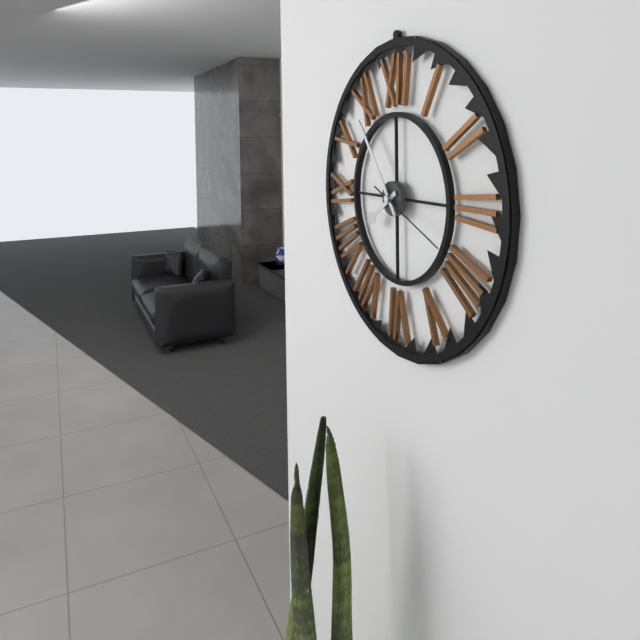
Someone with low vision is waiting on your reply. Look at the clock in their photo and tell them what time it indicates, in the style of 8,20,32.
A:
7,54,19
